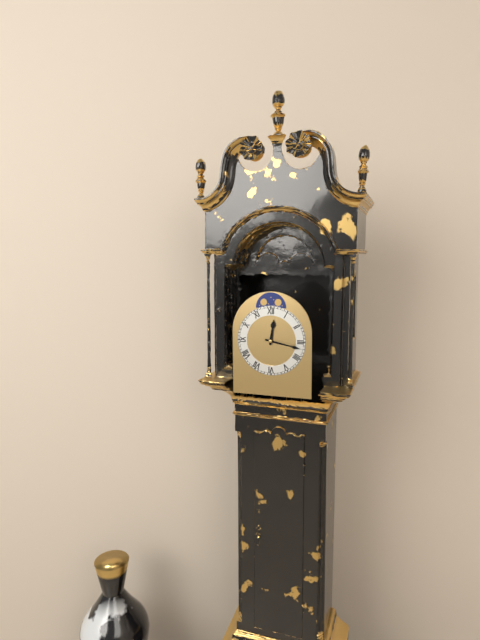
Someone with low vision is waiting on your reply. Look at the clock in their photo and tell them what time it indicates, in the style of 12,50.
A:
12,17
